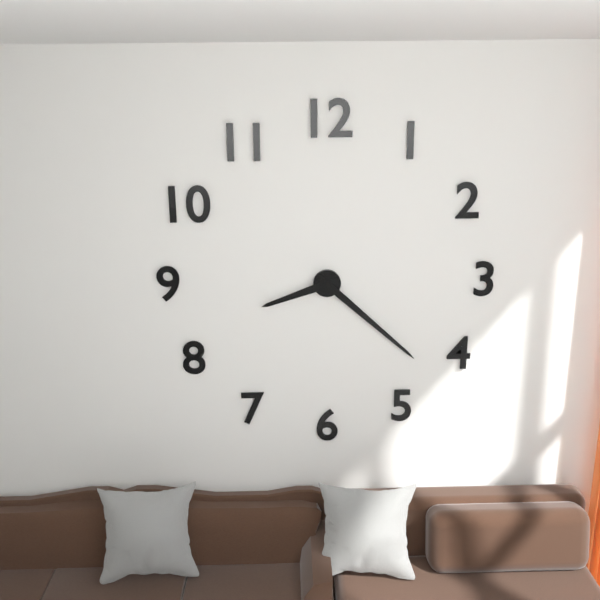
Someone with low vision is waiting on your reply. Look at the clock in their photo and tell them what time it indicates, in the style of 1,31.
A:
8,22
